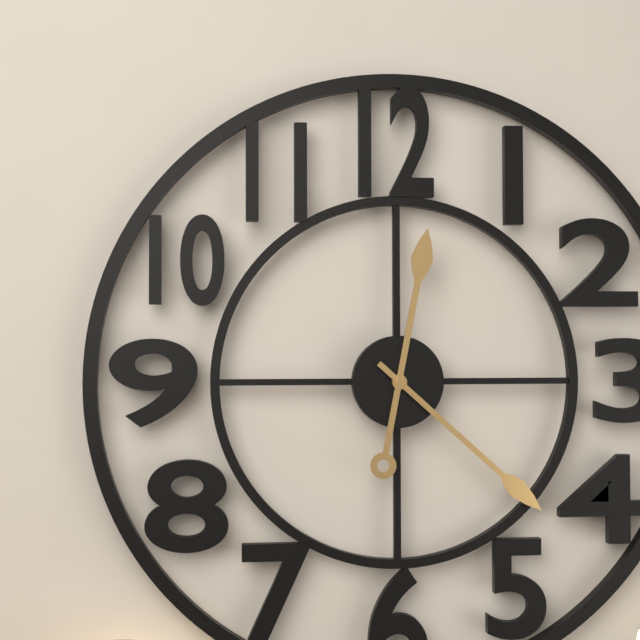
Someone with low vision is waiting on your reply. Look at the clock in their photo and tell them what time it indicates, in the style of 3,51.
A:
12,22
